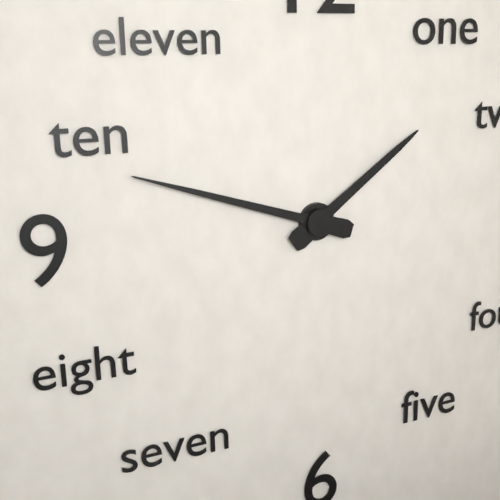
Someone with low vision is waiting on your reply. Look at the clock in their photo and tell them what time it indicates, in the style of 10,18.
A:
1,48
